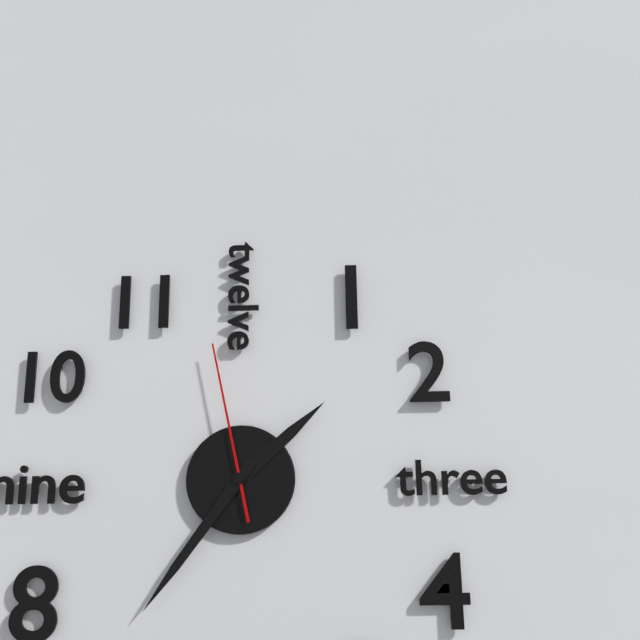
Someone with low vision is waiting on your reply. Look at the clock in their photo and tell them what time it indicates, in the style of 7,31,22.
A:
1,36,58
